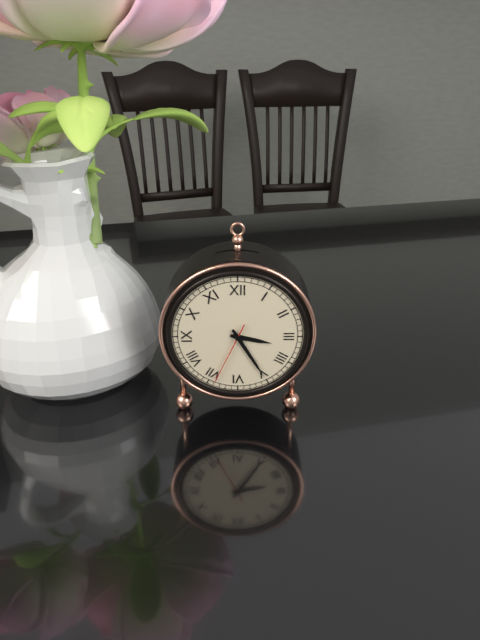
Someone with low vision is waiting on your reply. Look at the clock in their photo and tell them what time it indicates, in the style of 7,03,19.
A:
3,25,34
